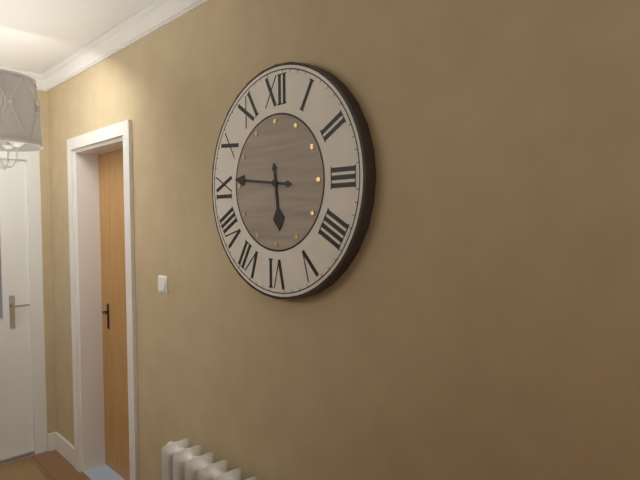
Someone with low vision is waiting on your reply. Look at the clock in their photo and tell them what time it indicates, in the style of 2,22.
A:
5,46
